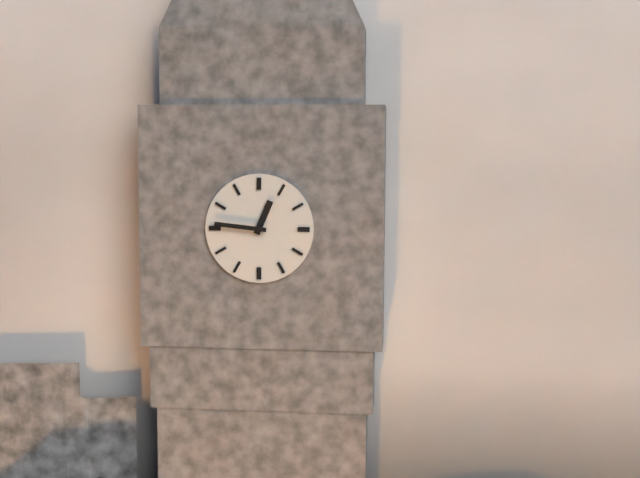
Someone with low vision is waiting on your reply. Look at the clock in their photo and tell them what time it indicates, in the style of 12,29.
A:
12,46
